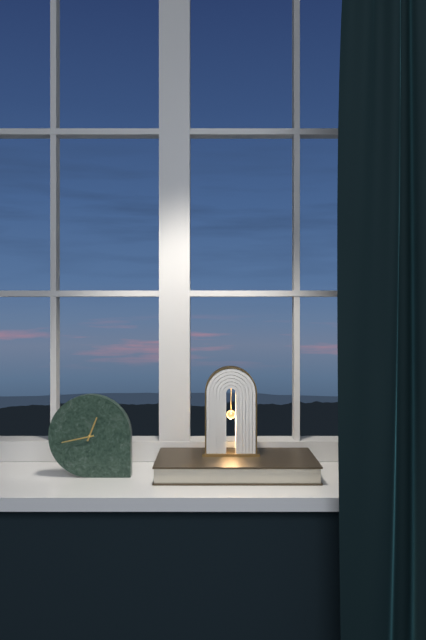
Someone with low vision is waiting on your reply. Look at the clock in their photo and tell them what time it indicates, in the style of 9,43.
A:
12,43
